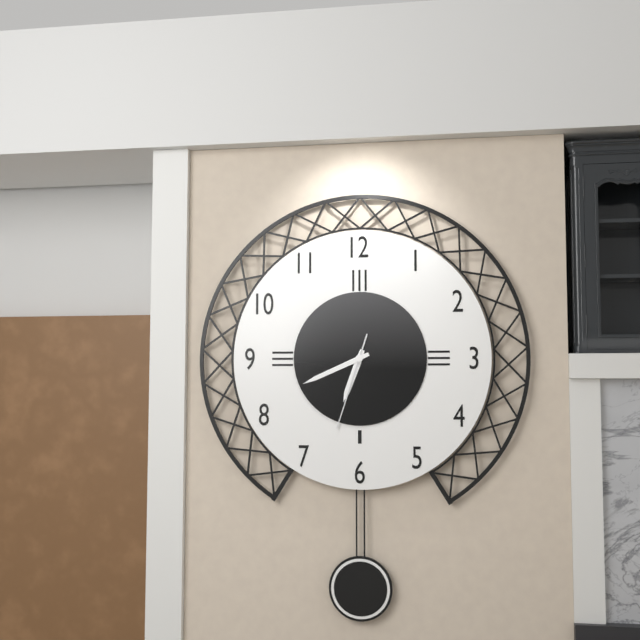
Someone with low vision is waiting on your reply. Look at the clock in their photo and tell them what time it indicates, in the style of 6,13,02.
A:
6,41,33
